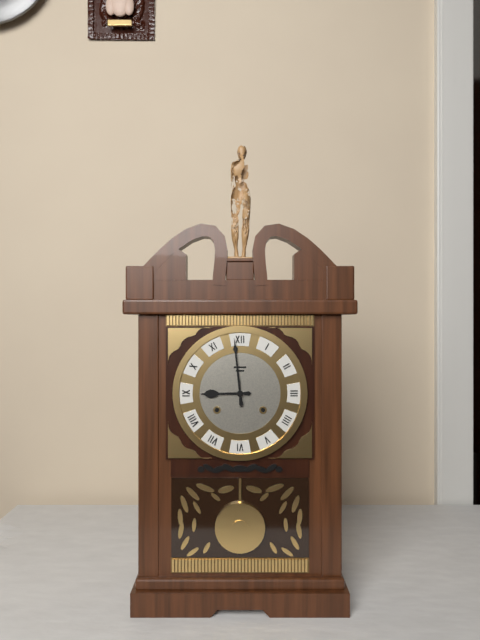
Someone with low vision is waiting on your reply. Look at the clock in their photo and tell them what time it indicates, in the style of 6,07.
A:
8,59
